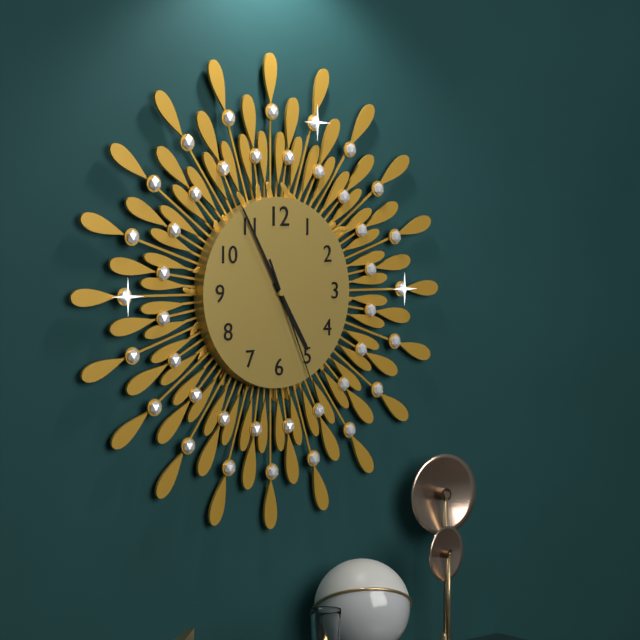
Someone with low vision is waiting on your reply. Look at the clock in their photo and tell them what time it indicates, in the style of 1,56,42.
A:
4,55,26
